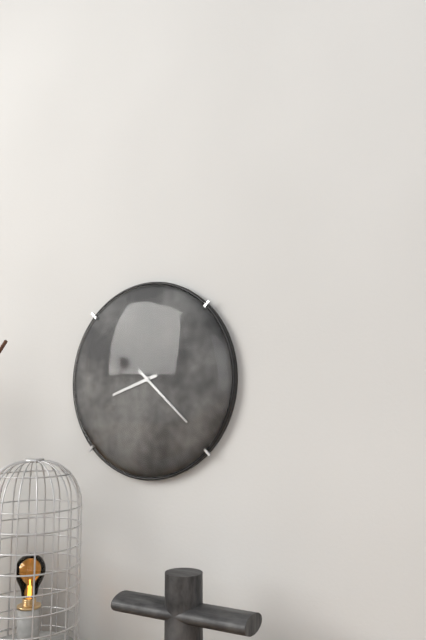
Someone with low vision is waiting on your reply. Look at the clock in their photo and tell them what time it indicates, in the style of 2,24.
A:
8,22
